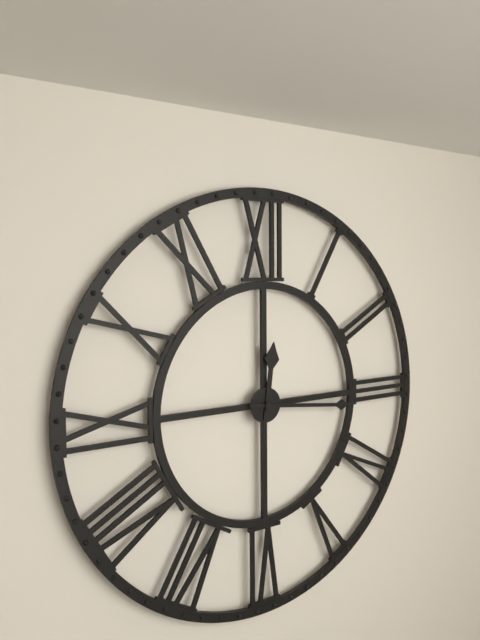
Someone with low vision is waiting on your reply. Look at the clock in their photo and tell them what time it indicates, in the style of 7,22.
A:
12,16
